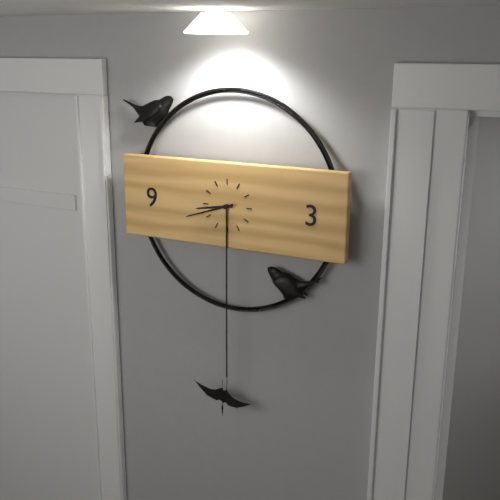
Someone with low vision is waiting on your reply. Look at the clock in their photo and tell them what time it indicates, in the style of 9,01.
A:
8,42
